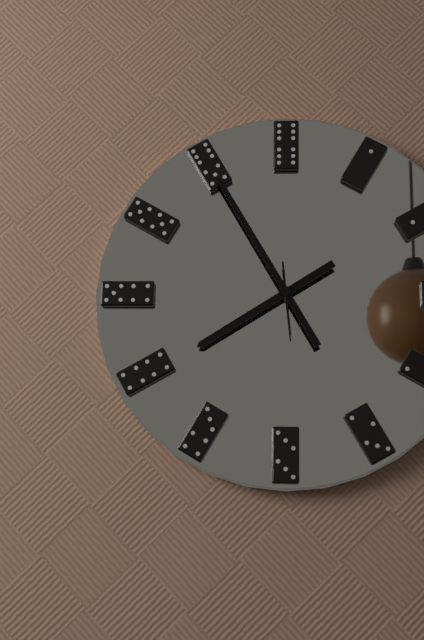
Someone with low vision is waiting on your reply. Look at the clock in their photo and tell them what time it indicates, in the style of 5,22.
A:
7,55
